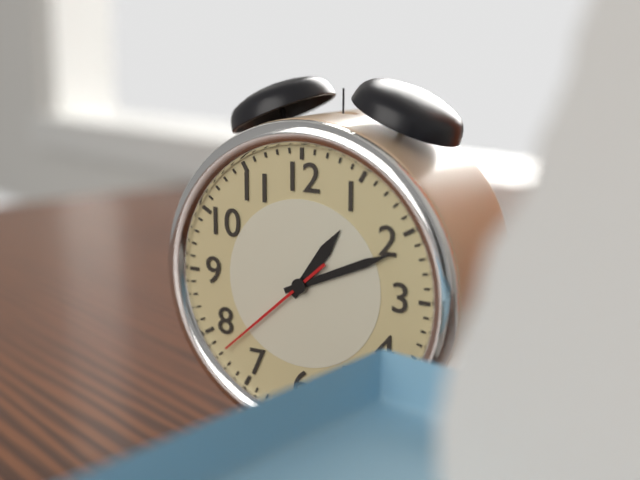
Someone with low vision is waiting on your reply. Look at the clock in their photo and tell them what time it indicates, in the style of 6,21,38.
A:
1,11,38
